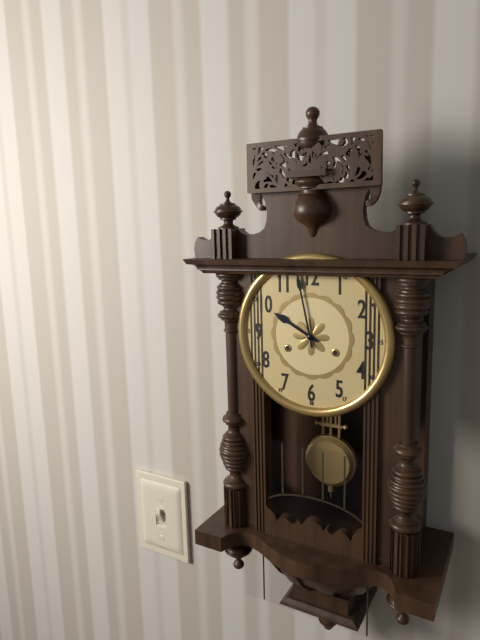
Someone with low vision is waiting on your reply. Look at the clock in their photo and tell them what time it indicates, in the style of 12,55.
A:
9,58
